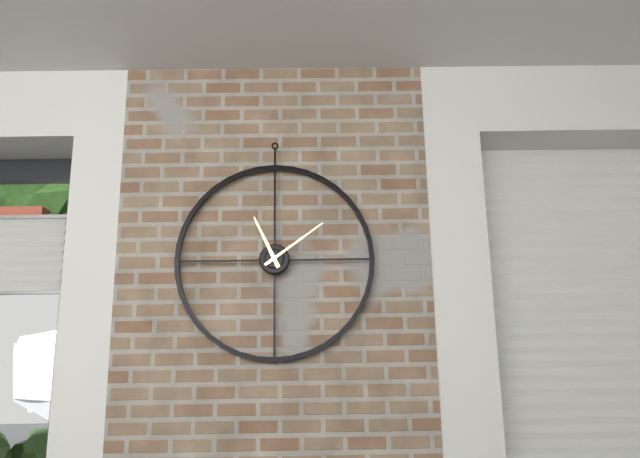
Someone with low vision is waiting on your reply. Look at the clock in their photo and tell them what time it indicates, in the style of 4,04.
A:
11,09
